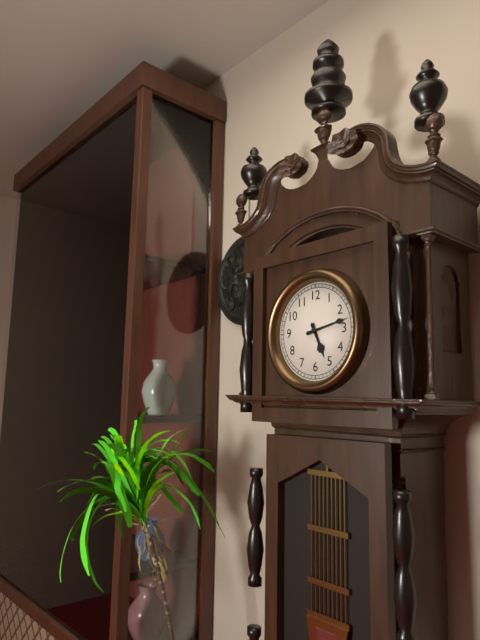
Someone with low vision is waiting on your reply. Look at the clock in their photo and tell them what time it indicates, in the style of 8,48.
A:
5,13
